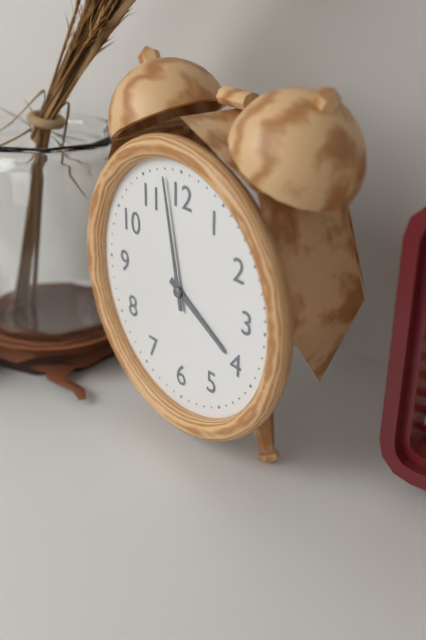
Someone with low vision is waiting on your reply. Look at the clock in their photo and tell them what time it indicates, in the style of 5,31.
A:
3,58
